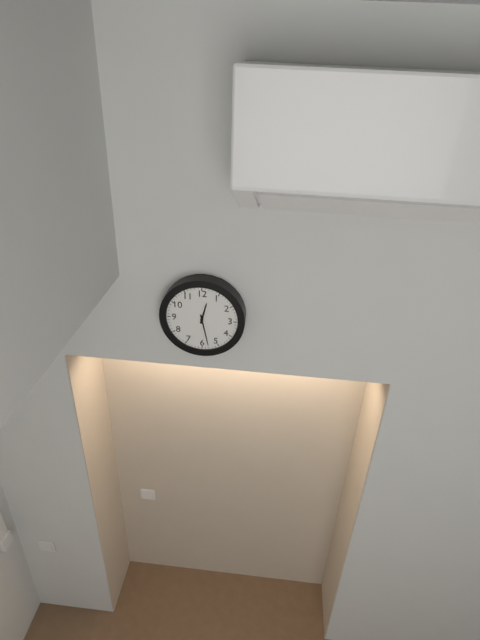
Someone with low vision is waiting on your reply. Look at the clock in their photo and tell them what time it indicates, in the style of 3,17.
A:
12,28
